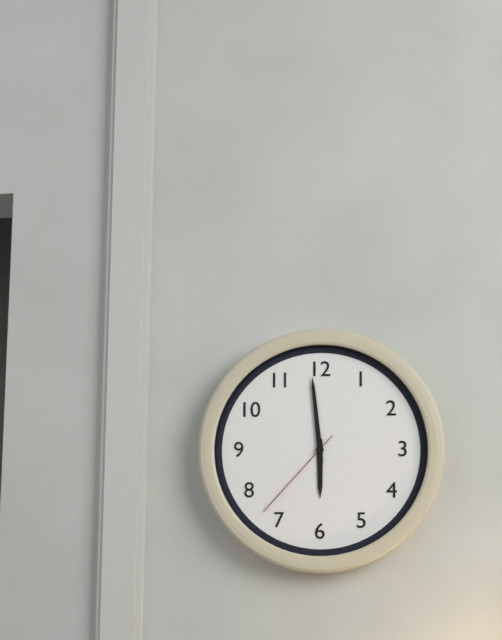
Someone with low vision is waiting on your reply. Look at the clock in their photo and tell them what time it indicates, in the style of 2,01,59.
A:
5,59,37
